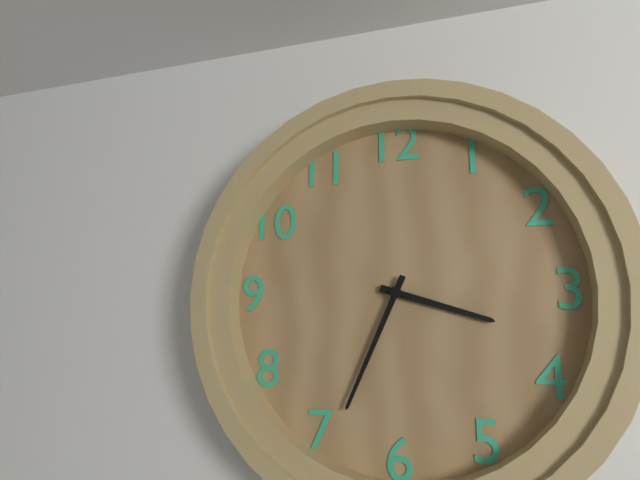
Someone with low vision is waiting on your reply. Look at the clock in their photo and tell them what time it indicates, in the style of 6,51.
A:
3,34
